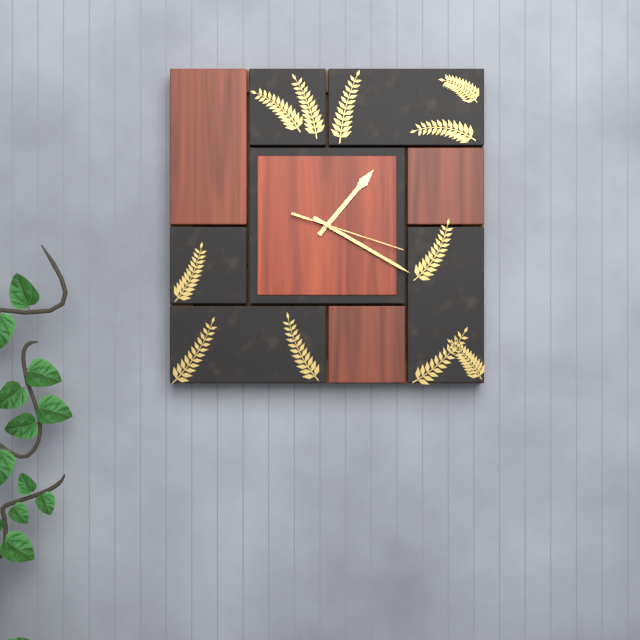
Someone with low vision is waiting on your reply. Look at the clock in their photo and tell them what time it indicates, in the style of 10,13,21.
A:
1,20,18
